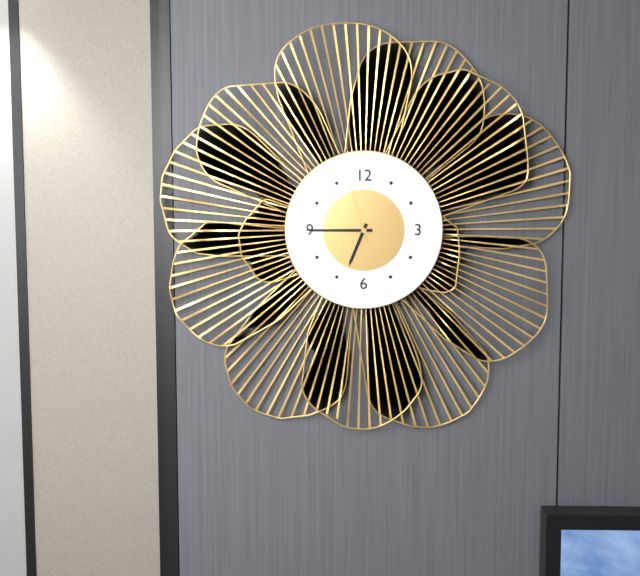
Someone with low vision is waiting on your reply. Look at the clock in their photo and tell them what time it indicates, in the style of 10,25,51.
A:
6,45,57
